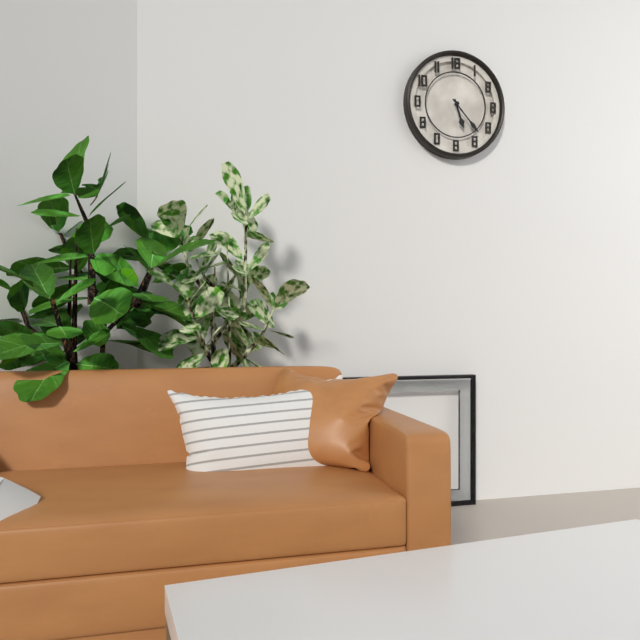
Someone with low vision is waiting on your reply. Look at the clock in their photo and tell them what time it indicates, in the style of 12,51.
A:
5,23
